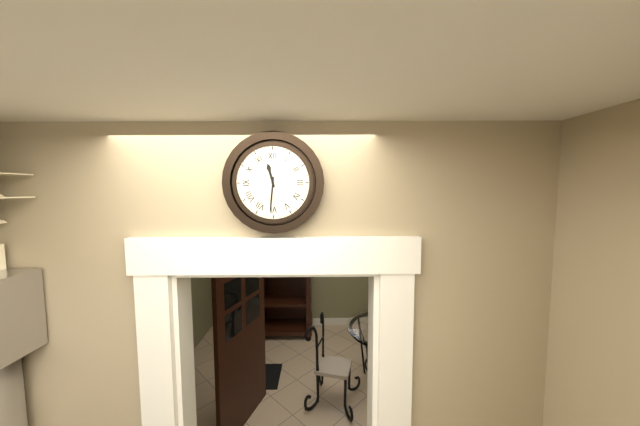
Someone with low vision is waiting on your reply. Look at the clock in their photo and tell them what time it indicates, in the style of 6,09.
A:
11,31
